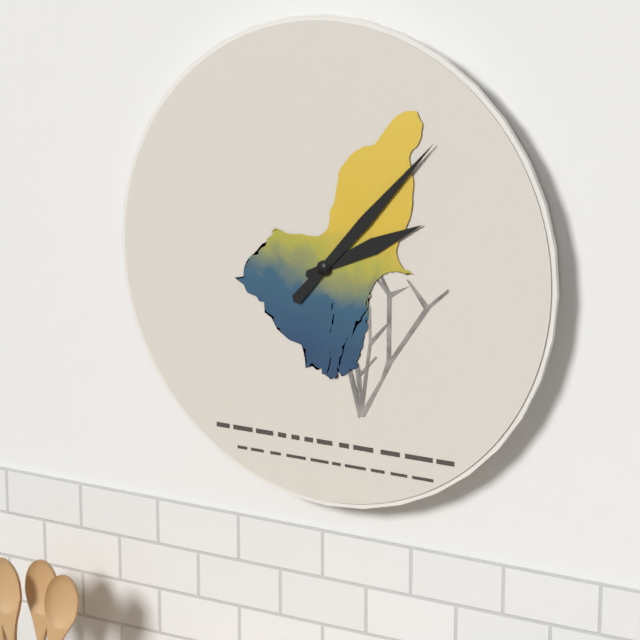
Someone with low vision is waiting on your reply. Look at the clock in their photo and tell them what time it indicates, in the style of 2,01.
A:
2,07
